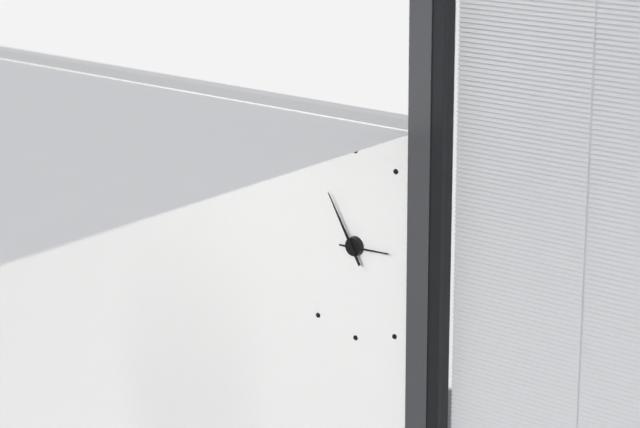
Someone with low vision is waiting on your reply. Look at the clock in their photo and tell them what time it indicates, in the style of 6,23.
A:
2,55
